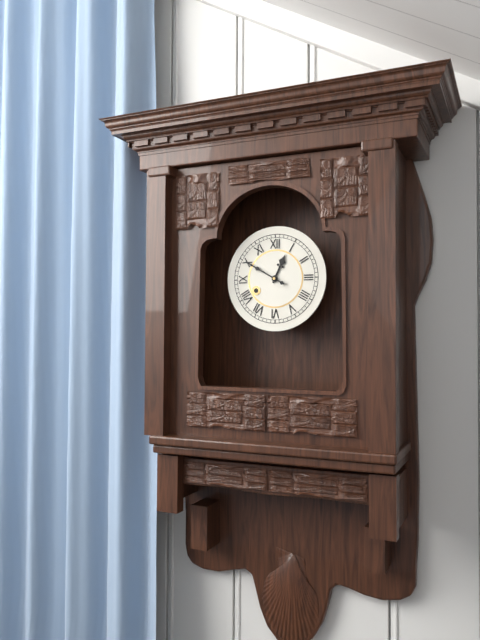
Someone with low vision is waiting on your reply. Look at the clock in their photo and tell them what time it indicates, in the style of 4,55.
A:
12,50
